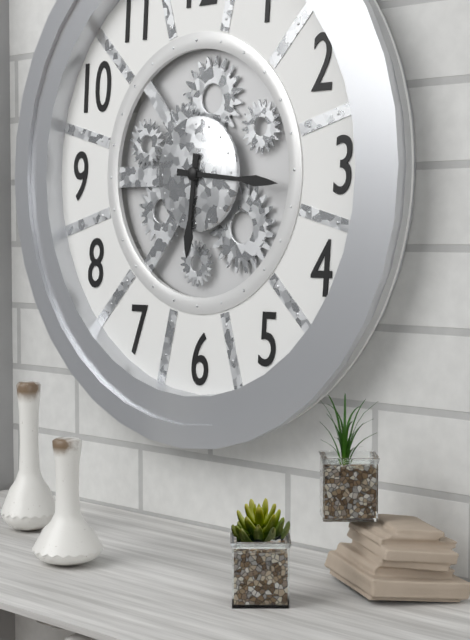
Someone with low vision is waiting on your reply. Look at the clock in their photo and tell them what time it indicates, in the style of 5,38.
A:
6,16
